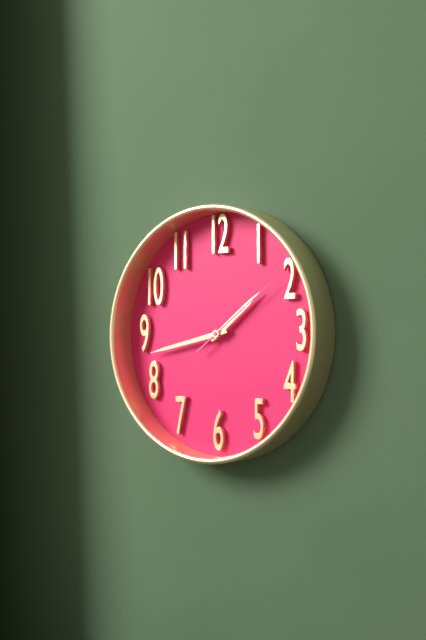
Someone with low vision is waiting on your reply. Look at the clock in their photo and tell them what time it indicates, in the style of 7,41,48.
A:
1,43,09
